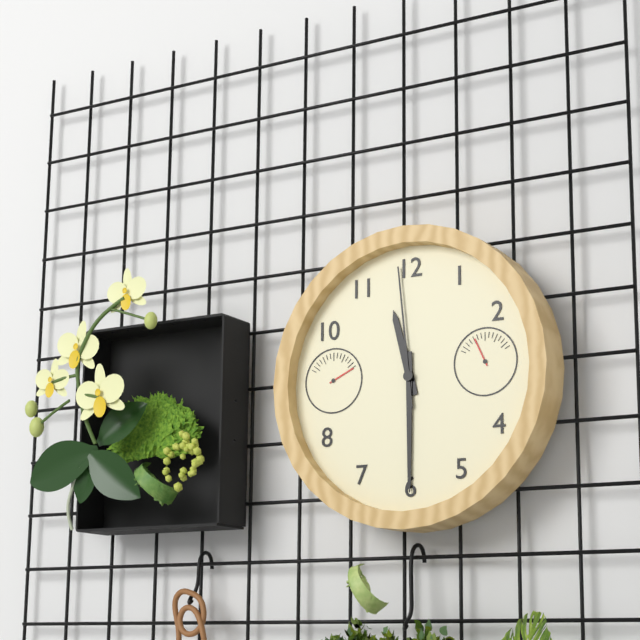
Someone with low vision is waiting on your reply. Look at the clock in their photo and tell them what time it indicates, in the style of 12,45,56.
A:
11,30,59
